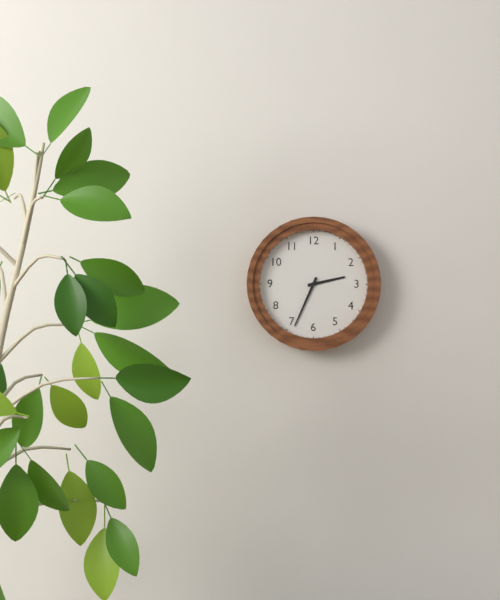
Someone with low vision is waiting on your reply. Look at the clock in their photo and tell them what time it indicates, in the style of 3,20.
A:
2,34
